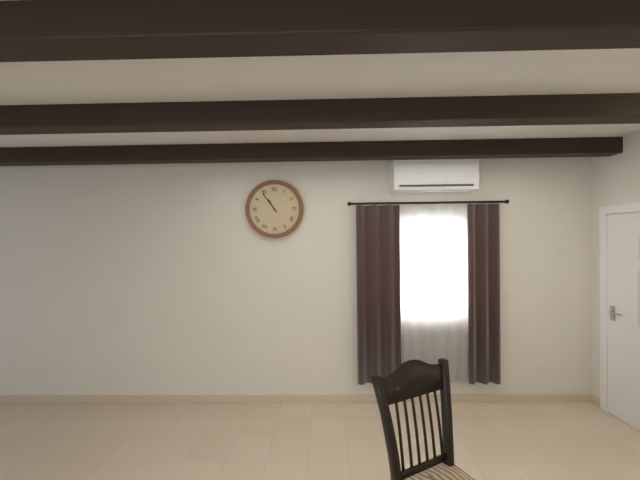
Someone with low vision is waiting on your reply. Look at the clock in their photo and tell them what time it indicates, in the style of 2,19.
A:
10,54
